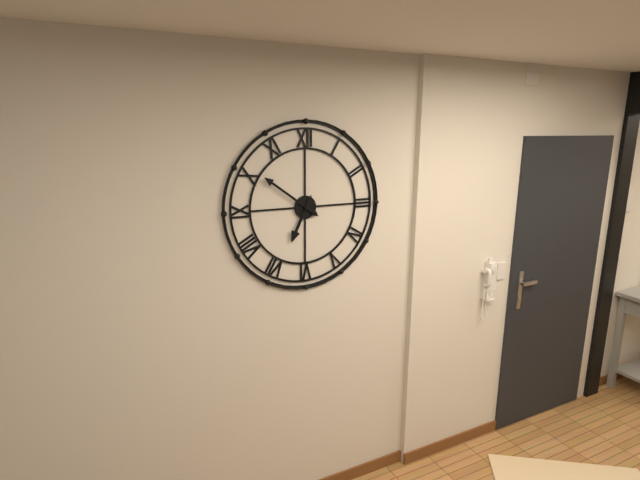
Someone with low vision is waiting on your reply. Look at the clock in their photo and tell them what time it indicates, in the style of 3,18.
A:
6,51
